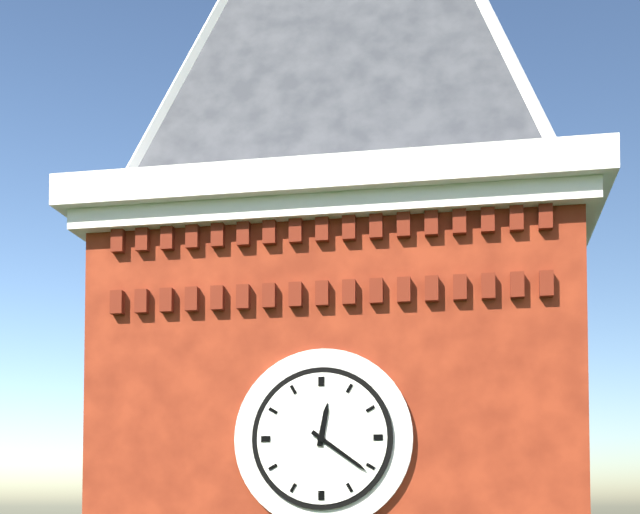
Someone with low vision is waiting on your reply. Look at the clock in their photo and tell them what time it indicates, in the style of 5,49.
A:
12,21
